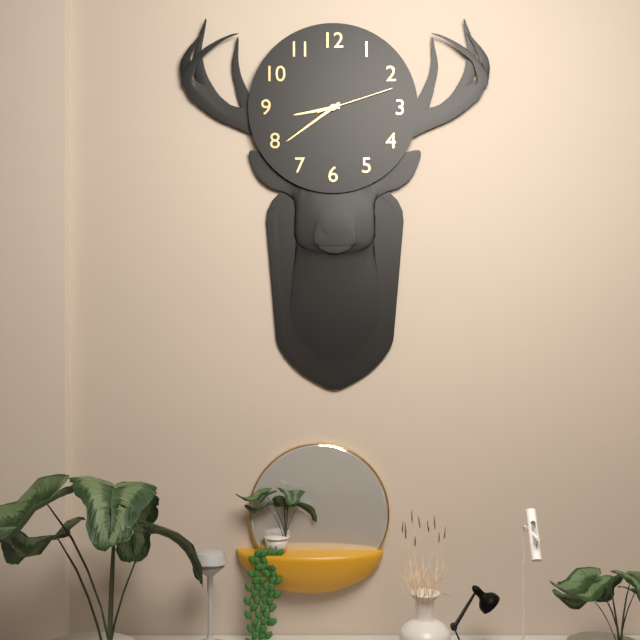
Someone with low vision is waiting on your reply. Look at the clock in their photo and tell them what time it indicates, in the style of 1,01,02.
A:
8,39,12
